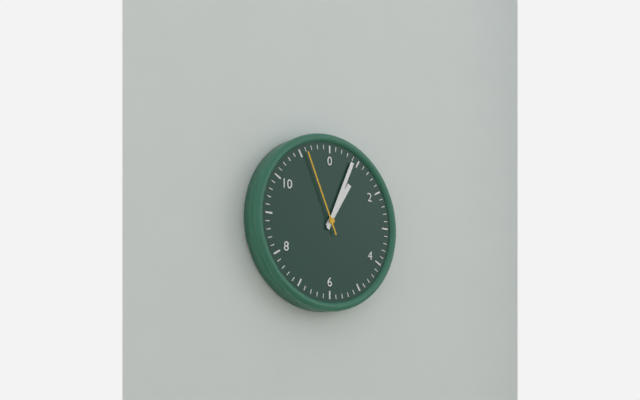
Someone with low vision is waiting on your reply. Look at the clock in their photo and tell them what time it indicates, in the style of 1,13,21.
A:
1,04,56
